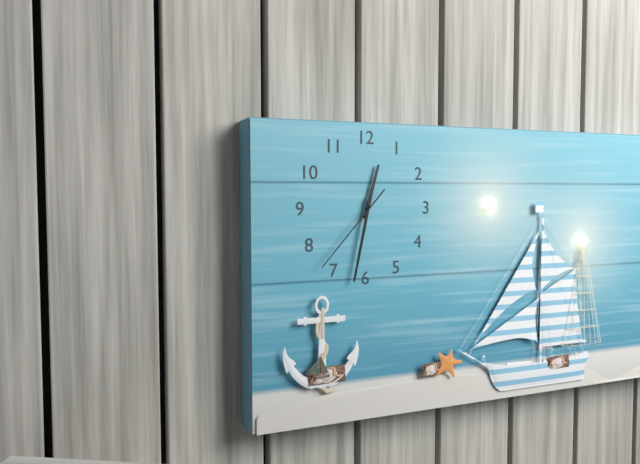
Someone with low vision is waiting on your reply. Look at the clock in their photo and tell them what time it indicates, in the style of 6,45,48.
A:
12,32,37
